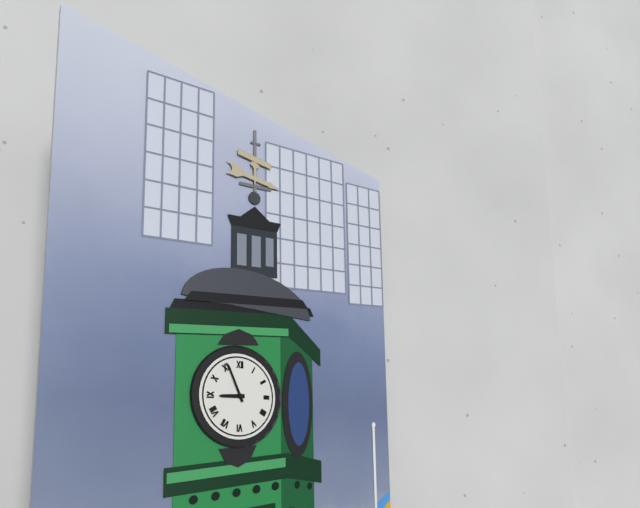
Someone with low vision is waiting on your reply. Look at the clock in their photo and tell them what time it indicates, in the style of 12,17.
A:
8,56
